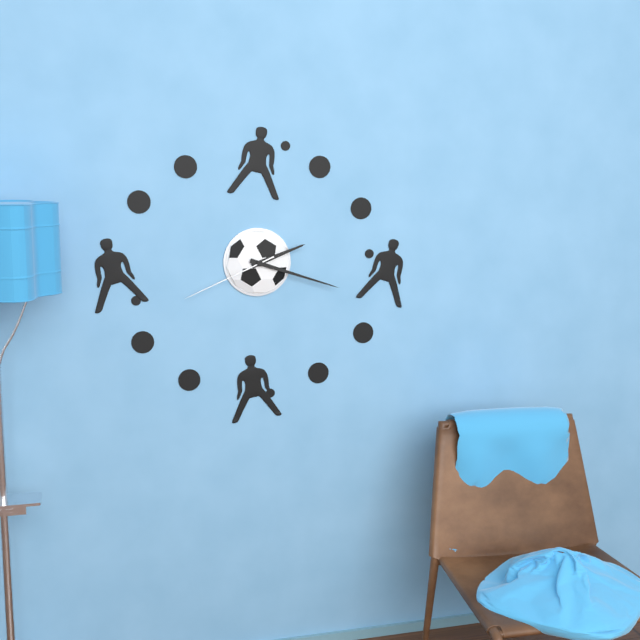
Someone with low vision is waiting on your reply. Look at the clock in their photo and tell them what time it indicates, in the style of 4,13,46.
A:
2,18,41
